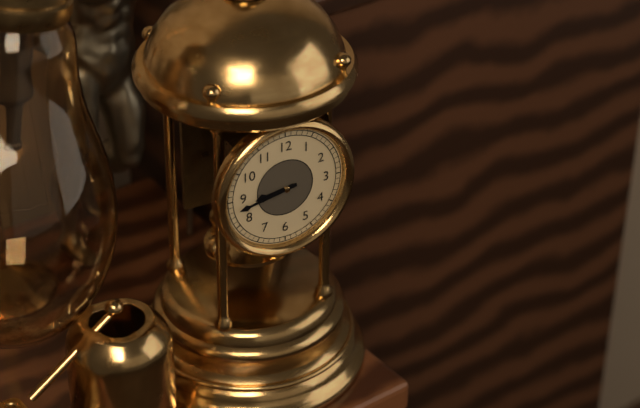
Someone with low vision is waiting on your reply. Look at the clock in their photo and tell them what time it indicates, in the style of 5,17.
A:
8,43
